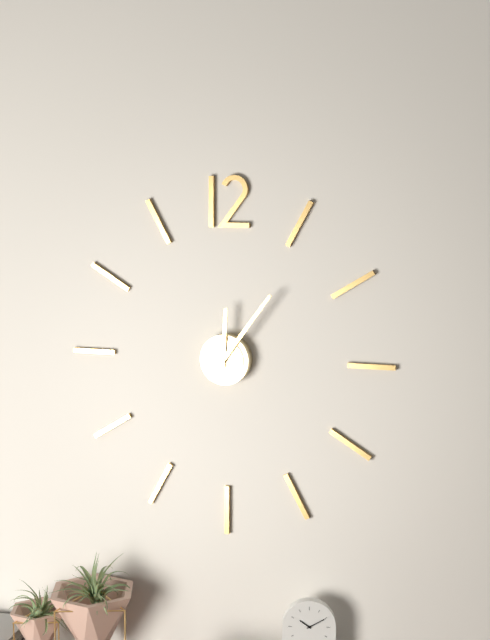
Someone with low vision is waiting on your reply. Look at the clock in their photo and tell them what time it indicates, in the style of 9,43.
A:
12,06
